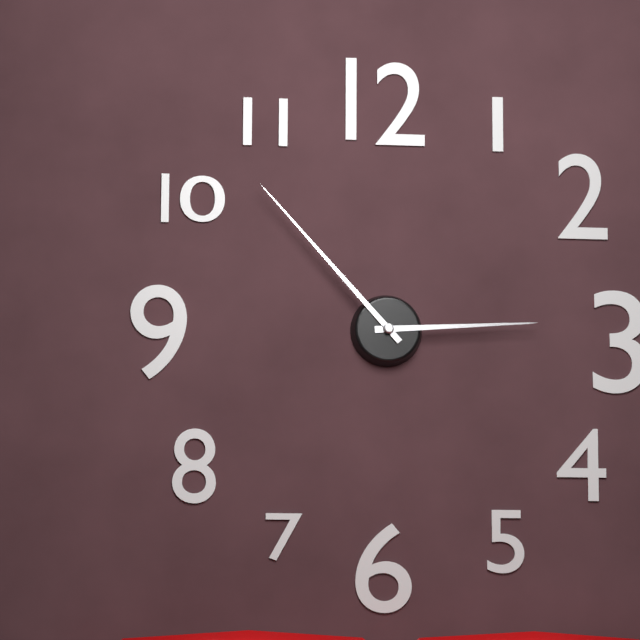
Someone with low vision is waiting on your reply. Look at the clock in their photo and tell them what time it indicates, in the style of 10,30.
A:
2,53
